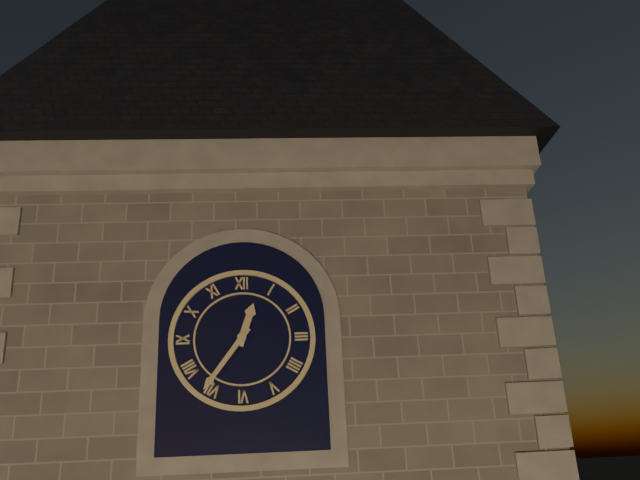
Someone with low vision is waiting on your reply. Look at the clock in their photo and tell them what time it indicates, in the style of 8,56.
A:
12,36
